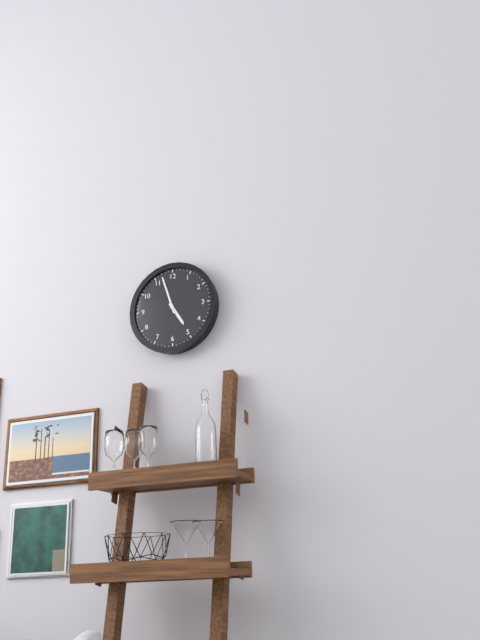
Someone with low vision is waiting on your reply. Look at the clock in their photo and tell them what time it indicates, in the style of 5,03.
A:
4,57
